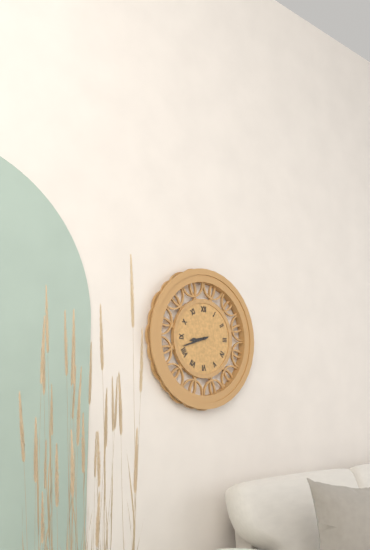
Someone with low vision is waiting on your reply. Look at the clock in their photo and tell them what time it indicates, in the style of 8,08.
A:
8,42
